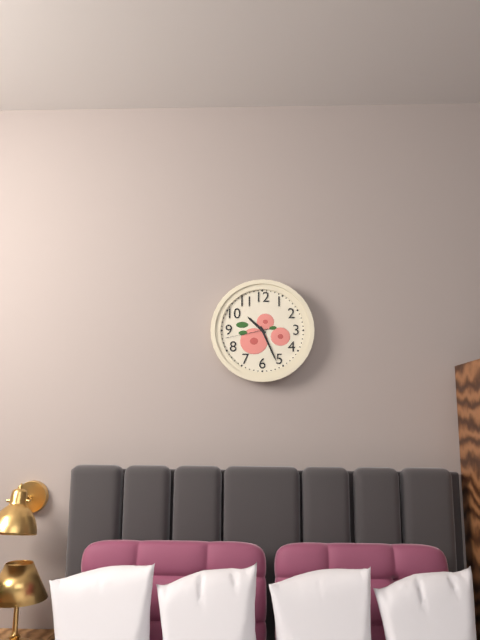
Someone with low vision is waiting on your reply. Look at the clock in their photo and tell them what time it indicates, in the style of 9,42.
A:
10,26
